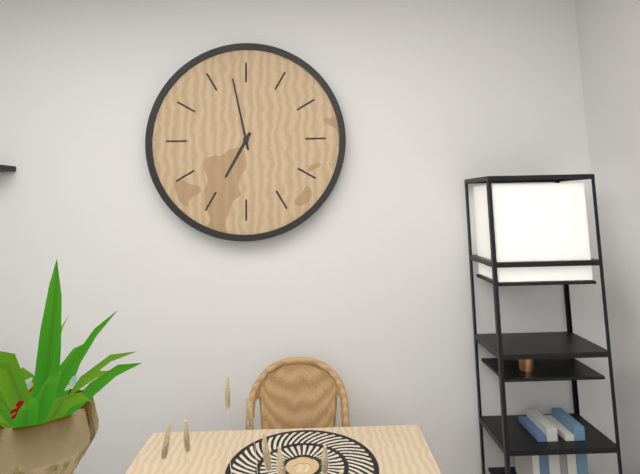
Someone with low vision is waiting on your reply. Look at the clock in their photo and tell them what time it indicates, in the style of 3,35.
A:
6,58
